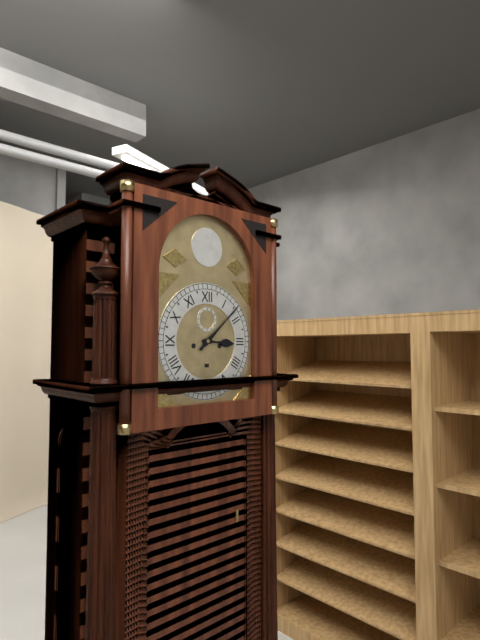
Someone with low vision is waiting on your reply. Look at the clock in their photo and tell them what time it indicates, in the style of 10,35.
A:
3,08
